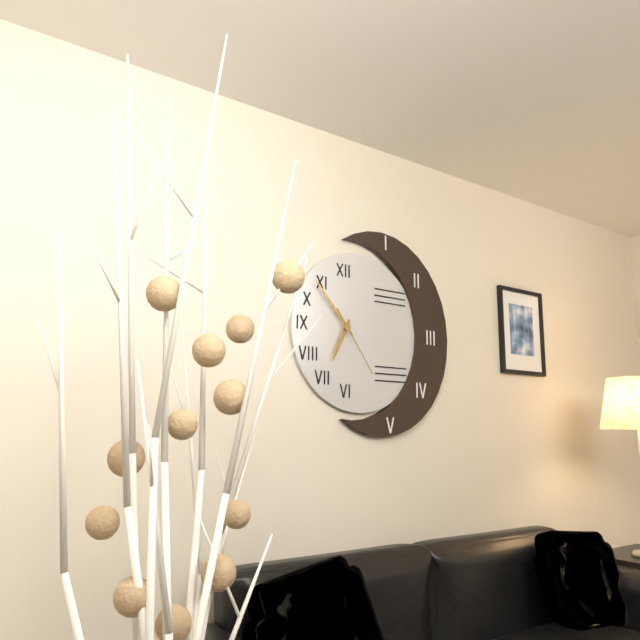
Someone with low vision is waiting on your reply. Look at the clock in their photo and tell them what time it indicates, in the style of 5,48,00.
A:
6,53,24
